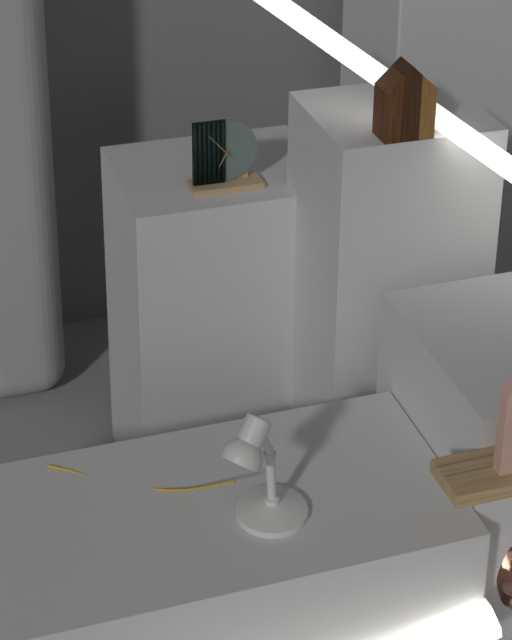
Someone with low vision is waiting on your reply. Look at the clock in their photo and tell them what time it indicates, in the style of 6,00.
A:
6,53
